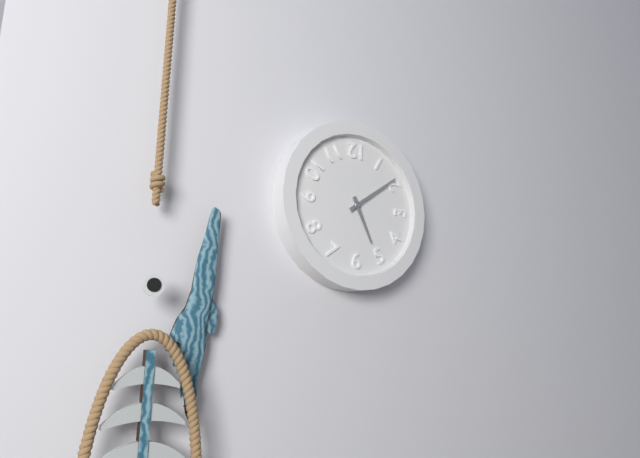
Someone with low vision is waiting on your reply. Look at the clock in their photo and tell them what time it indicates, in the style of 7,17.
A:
5,09
